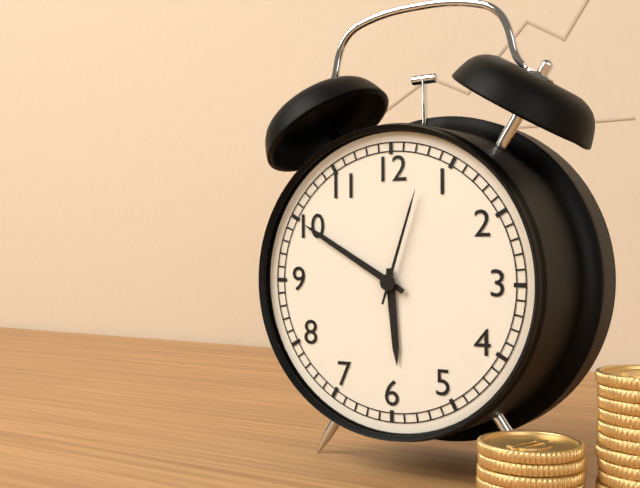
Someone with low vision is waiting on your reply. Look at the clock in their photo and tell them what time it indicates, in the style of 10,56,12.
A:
5,50,03
